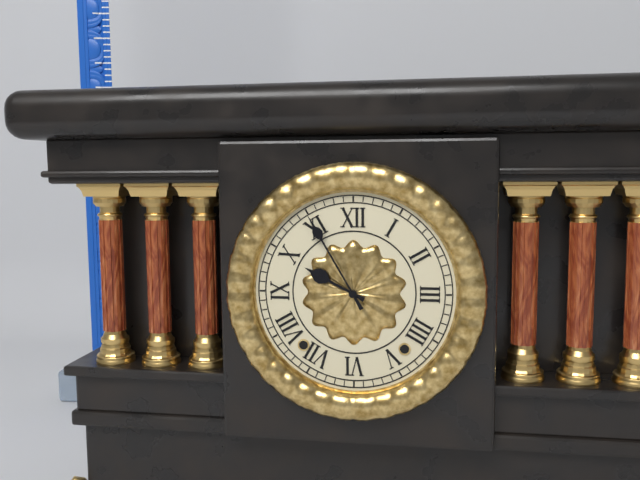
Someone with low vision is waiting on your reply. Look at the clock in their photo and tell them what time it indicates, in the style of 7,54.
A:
9,55
